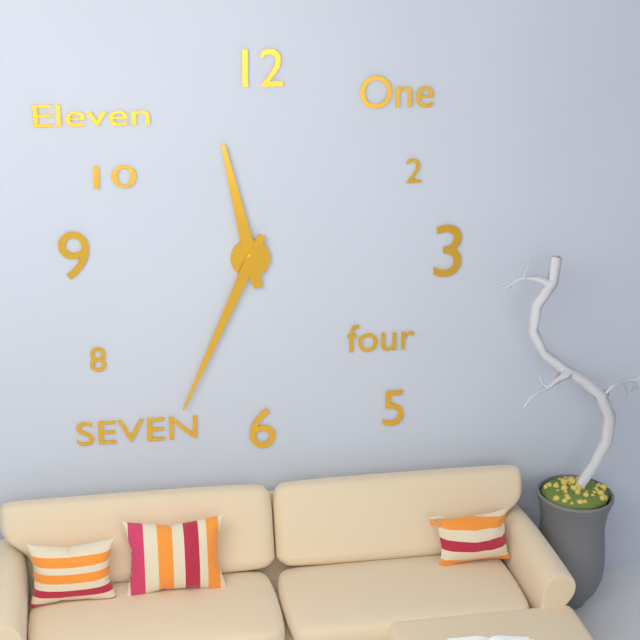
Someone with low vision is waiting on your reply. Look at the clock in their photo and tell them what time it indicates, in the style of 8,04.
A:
11,34
